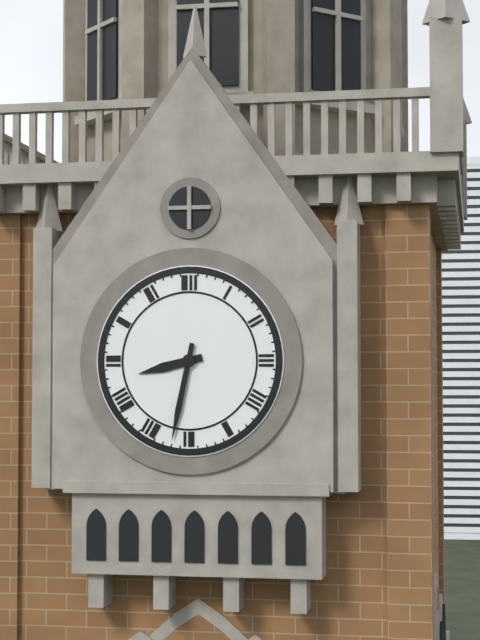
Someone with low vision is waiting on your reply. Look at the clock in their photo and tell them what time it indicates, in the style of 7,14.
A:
8,32
